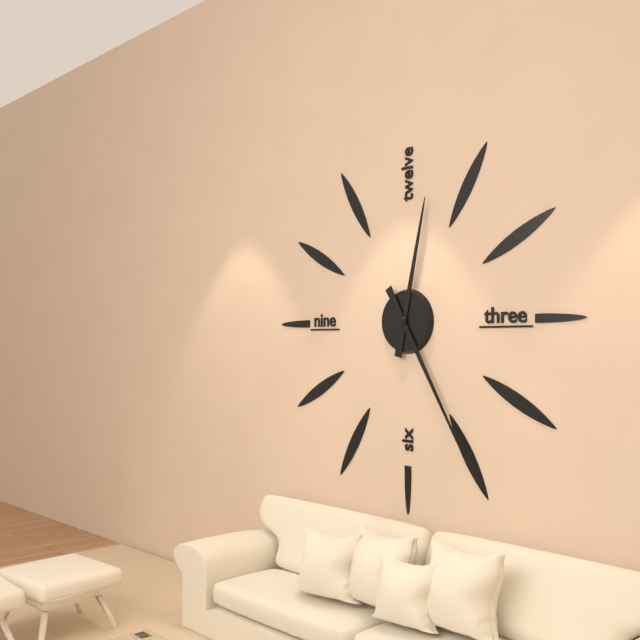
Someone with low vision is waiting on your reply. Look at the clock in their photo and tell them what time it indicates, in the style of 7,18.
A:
12,25
